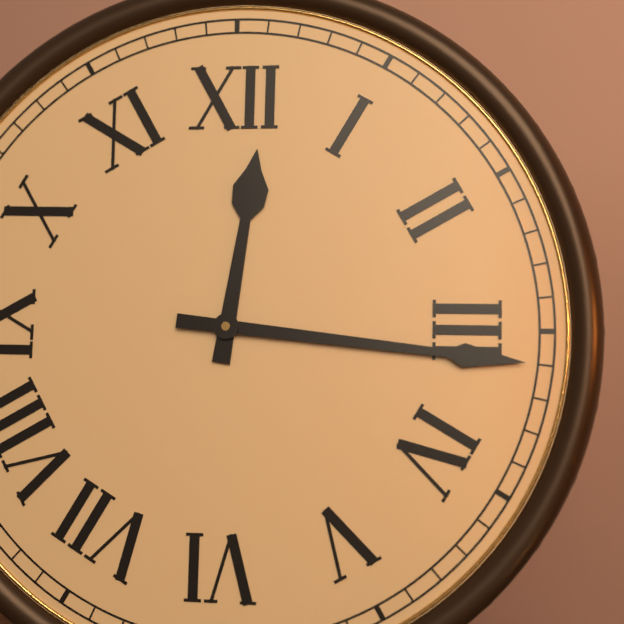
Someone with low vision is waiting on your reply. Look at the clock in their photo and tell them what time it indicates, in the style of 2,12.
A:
12,16
